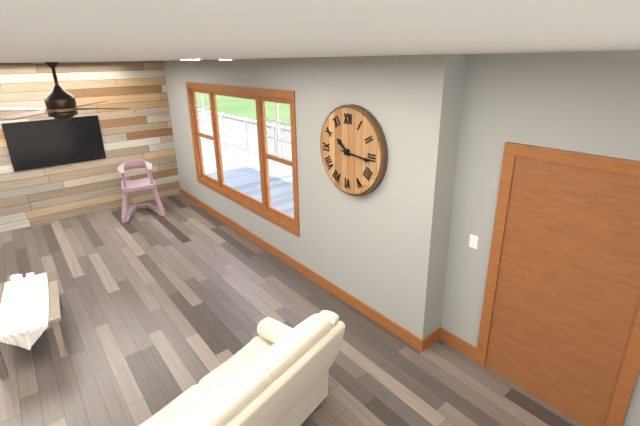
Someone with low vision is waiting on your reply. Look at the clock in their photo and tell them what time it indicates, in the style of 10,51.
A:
10,16
